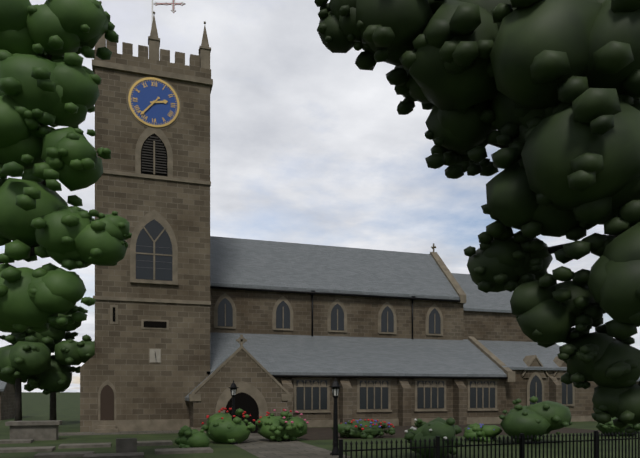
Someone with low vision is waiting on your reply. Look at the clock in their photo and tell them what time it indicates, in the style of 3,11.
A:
2,37
